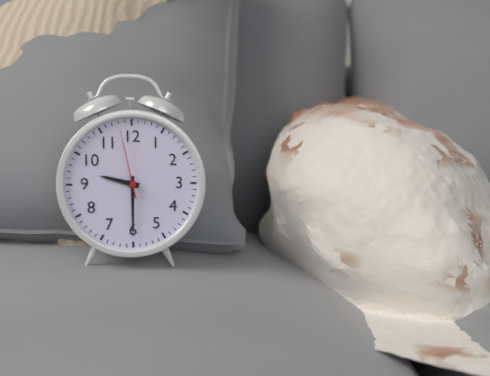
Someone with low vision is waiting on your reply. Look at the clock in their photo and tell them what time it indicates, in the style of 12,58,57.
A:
9,30,58
